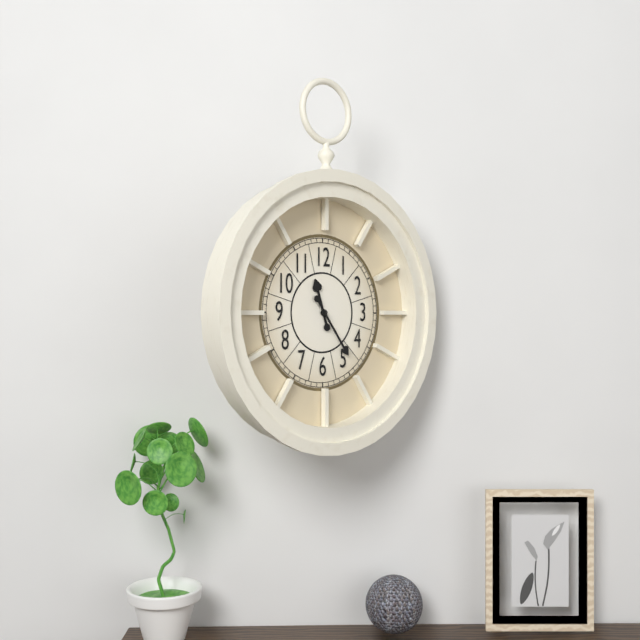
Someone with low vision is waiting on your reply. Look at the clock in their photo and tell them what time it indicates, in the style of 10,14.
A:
11,24
